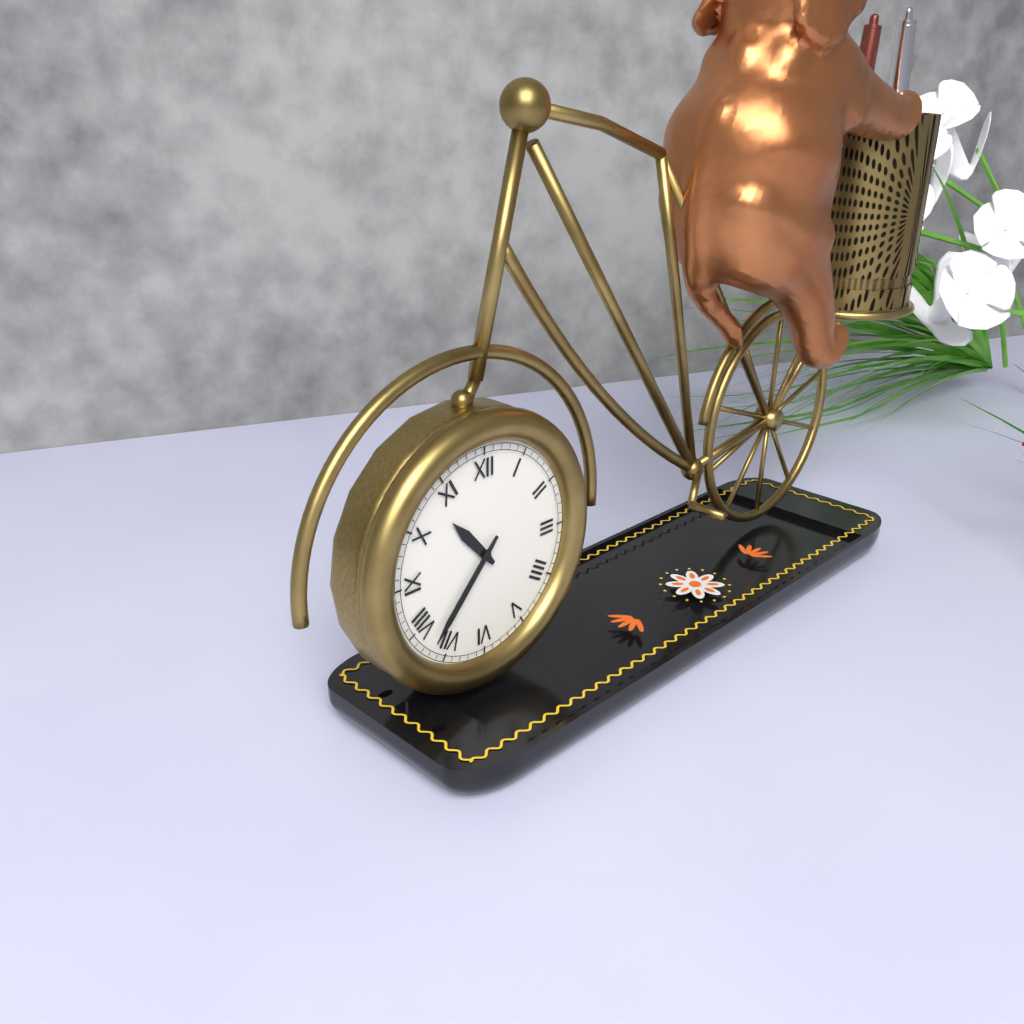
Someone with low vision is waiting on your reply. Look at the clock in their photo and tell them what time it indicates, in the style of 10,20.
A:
10,37
